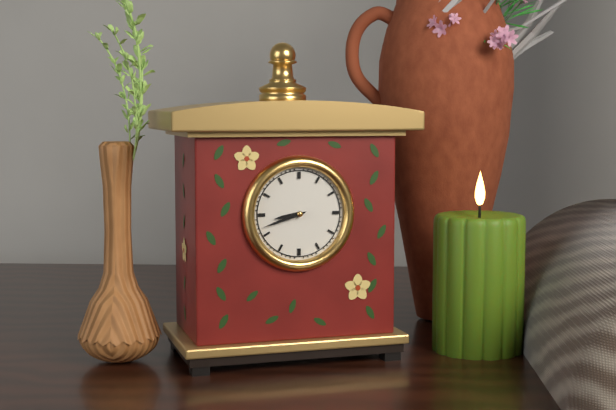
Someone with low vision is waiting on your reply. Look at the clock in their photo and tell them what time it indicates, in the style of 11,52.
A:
8,42
